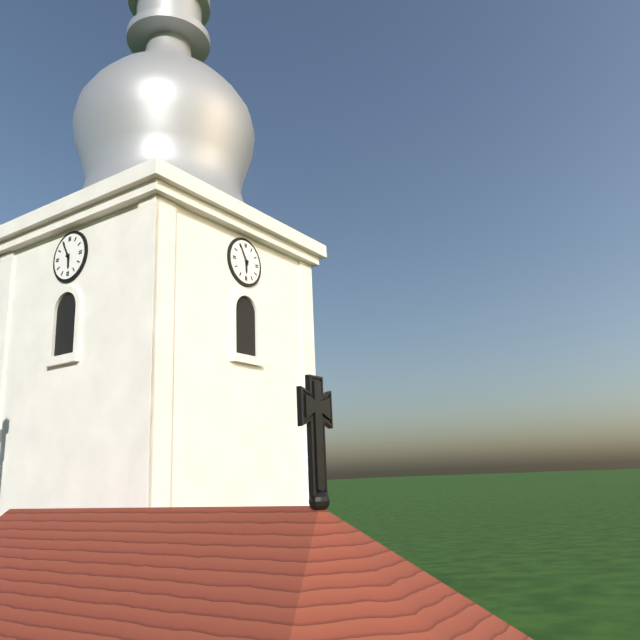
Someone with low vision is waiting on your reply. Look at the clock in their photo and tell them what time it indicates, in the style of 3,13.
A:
5,55
